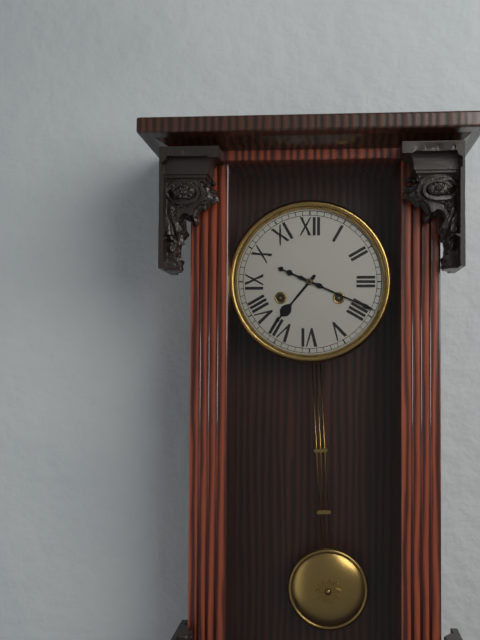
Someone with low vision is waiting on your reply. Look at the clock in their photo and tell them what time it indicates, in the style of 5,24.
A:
7,19
